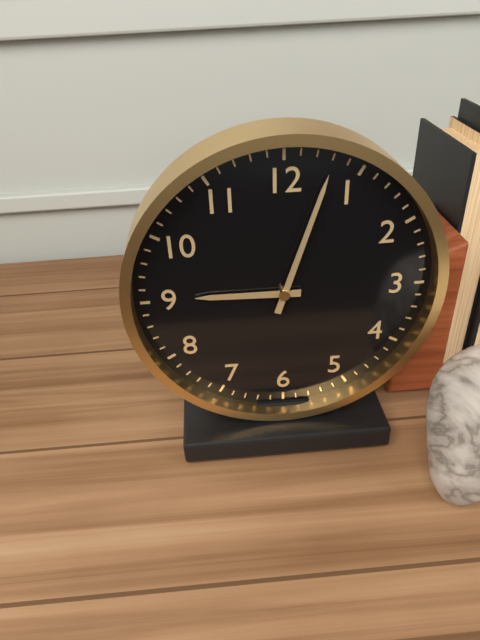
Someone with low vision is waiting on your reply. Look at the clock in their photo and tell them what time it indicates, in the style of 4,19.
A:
9,03
